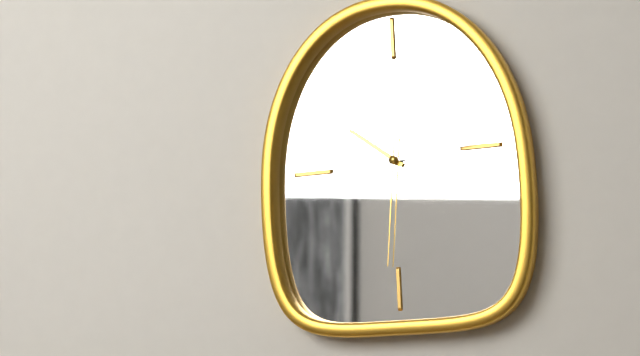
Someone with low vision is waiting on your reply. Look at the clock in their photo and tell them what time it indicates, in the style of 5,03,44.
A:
10,14,31
